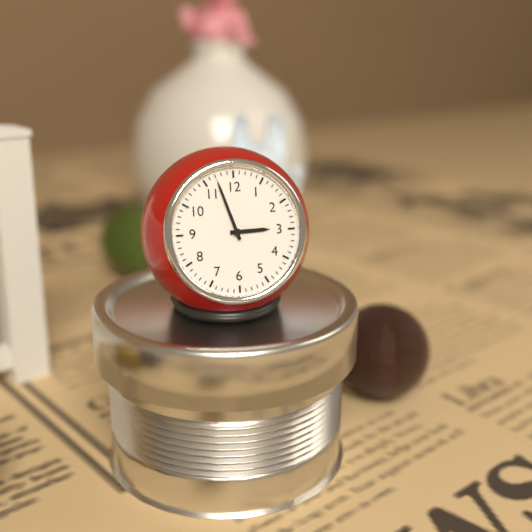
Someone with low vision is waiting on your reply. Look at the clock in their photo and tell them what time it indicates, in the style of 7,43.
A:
2,57
